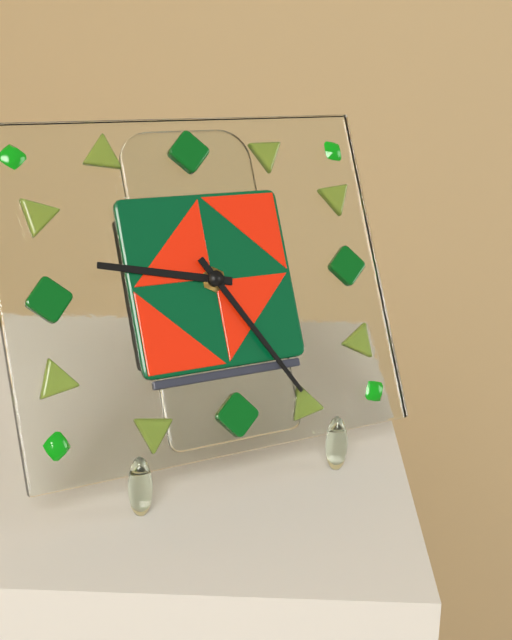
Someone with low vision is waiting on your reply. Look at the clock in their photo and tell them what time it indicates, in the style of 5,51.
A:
9,25
